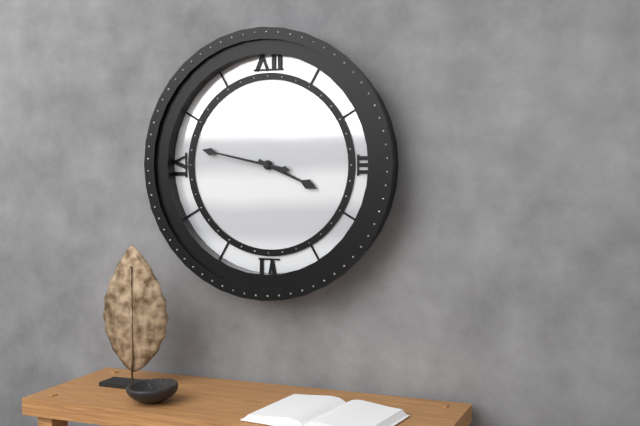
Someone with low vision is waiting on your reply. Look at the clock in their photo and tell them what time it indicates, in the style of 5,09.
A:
3,47
